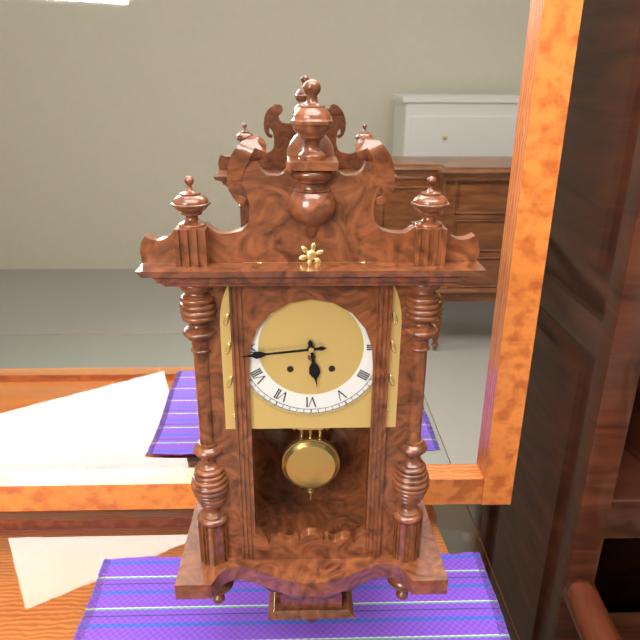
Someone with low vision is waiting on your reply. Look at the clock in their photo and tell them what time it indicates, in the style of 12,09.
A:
5,44
